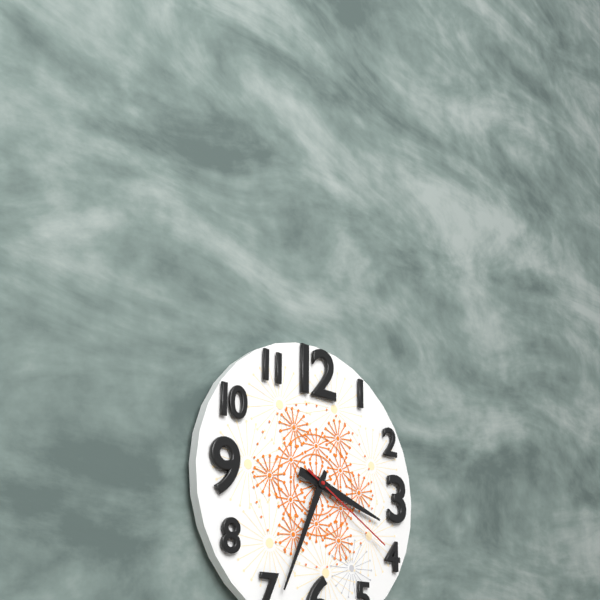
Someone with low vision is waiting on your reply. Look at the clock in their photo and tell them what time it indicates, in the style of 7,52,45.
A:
3,34,20
